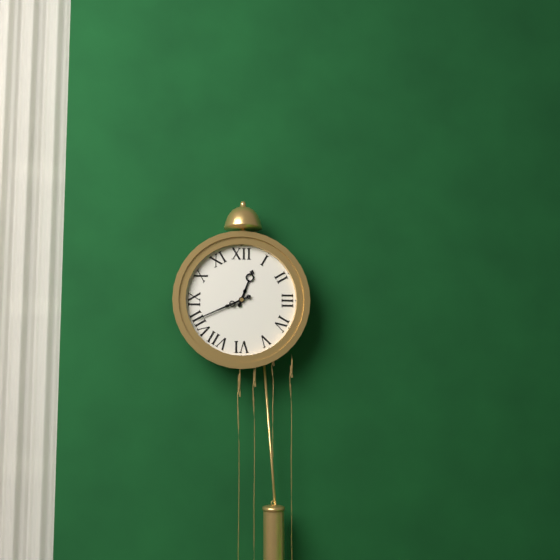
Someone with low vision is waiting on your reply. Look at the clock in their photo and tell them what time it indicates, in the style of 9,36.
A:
12,41
